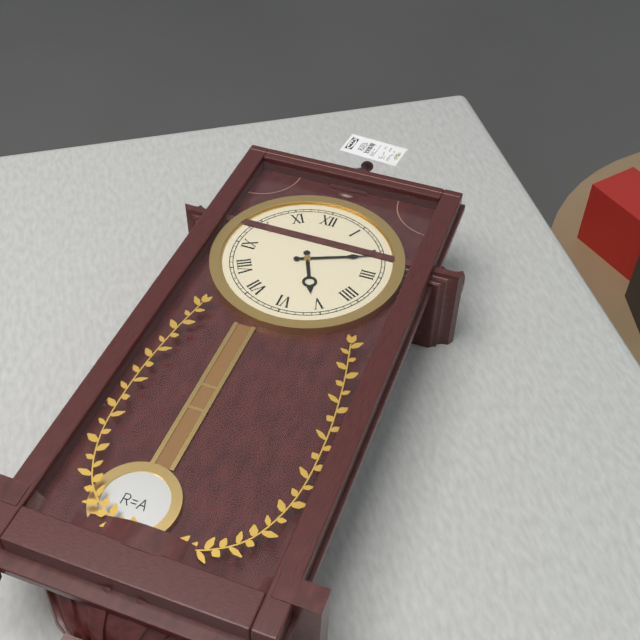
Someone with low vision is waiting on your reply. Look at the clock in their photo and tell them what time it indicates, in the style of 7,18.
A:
5,11
